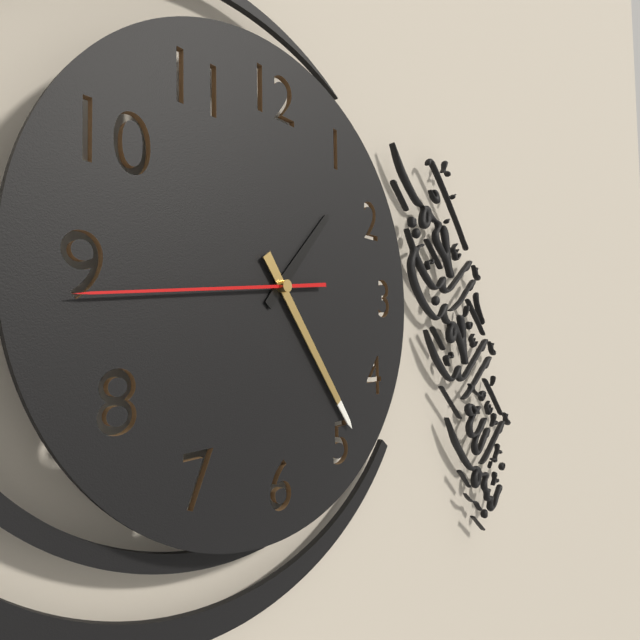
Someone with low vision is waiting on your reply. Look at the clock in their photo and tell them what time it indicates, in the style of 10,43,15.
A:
1,24,44
